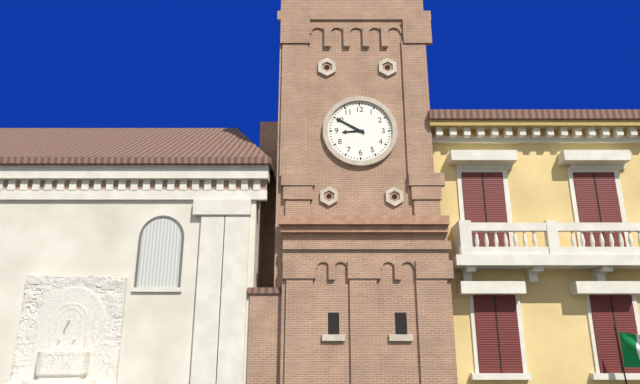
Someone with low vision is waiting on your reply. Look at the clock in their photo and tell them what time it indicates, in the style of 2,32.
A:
8,50
